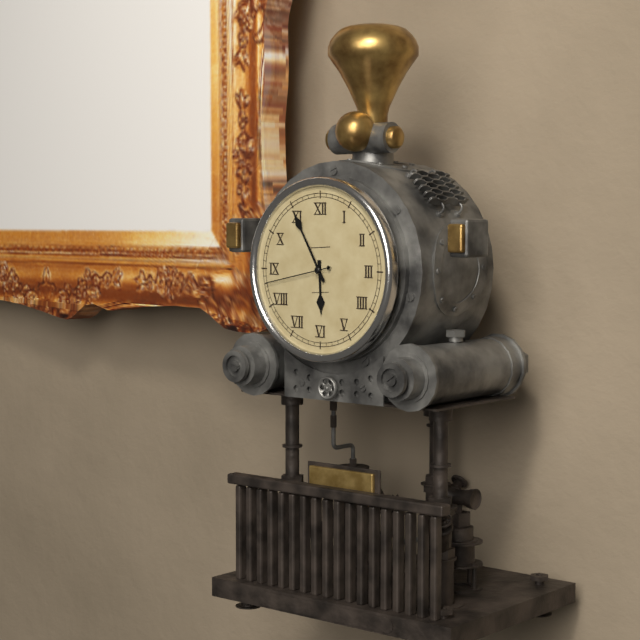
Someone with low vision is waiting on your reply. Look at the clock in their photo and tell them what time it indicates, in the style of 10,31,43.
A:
5,55,43
